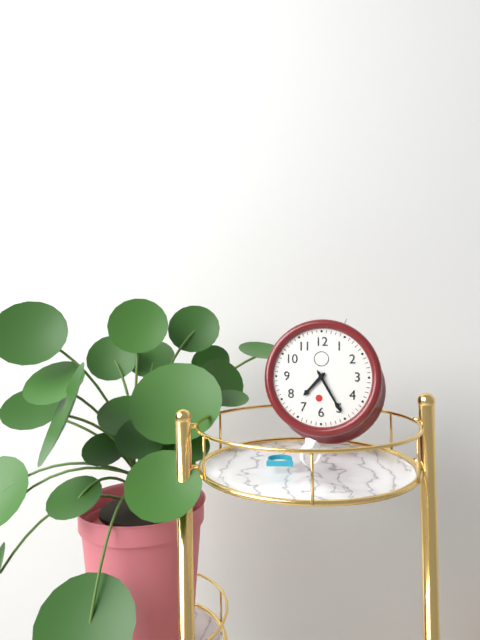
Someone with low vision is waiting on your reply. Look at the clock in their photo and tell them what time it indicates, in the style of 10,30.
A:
7,25
